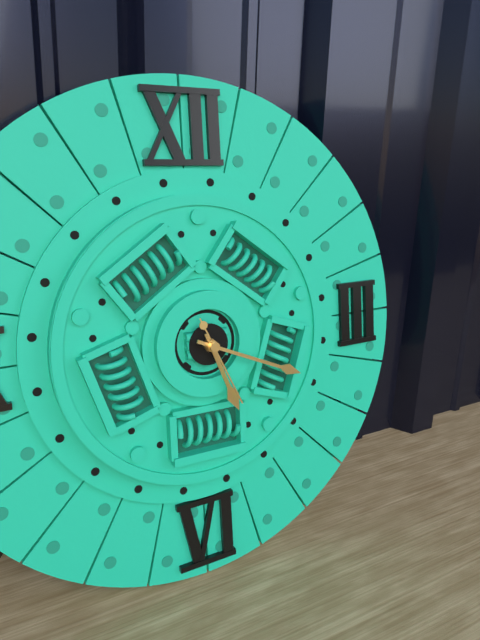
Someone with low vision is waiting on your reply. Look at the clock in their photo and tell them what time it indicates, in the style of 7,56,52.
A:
5,19,26
